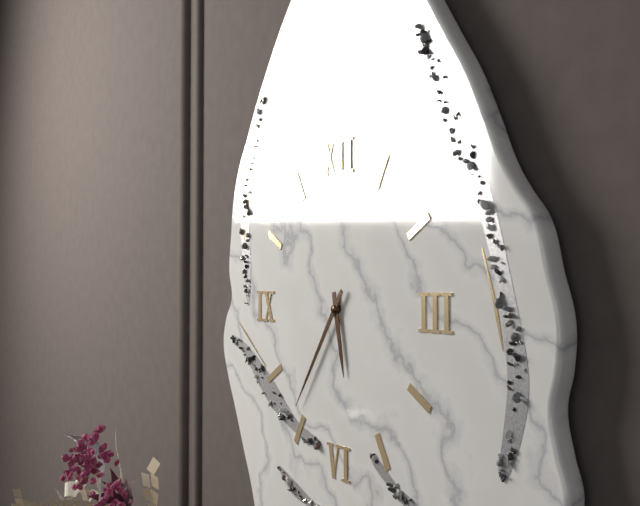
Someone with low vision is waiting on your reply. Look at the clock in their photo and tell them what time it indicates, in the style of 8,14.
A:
5,36
